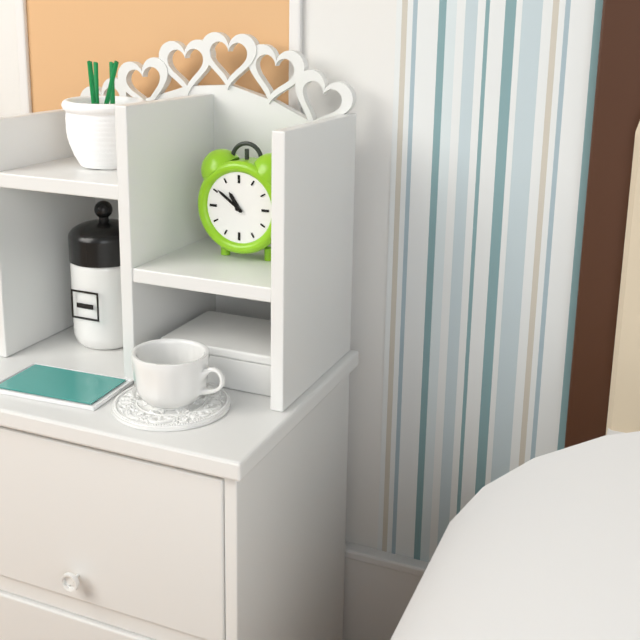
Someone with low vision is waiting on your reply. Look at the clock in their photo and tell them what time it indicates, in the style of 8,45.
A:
10,51
